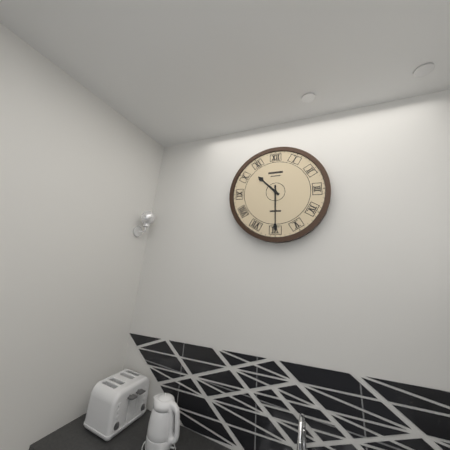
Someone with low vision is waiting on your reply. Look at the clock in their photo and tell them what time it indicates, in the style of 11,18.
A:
10,30
